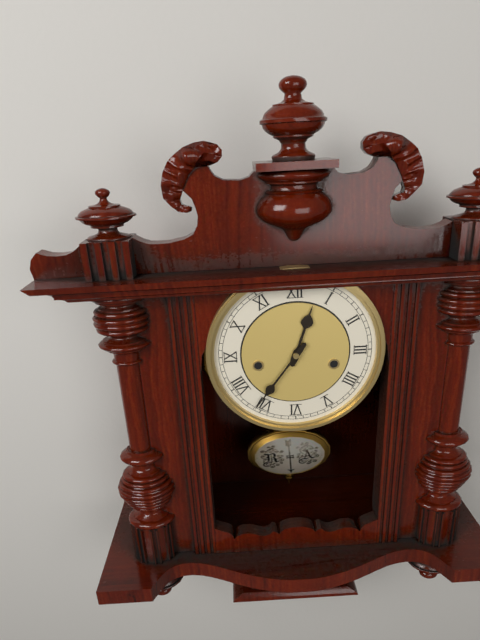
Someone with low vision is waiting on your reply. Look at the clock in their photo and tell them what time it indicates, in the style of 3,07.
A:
12,36
